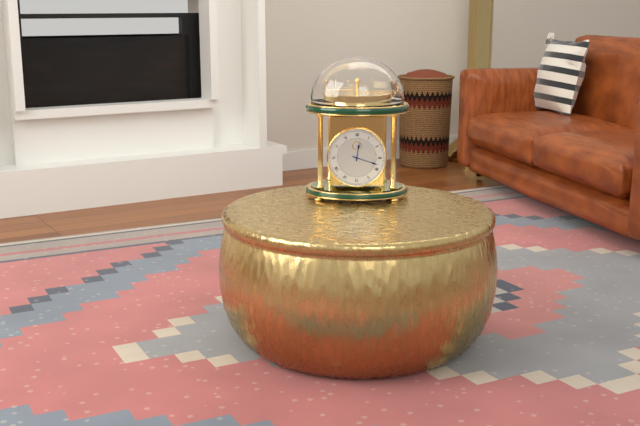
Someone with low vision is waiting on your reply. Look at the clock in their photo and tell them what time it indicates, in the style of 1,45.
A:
12,18
